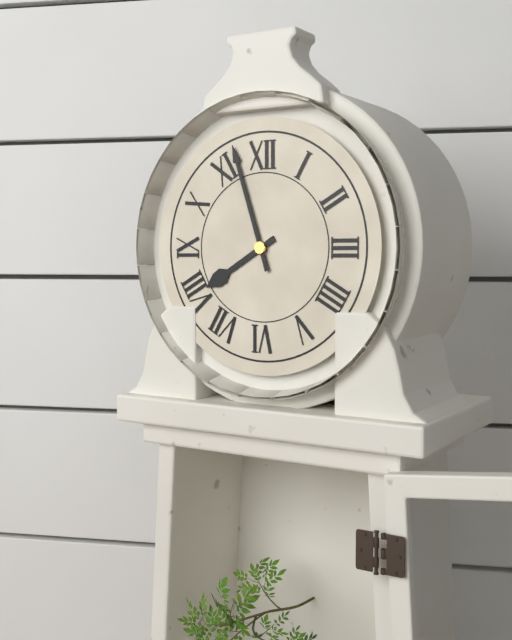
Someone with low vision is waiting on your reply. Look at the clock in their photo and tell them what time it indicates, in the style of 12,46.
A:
7,57
